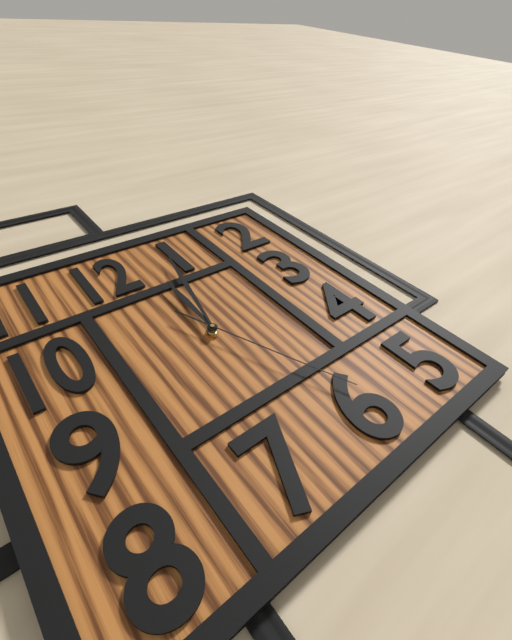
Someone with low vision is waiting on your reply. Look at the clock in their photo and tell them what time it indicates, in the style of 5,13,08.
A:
12,02,26
